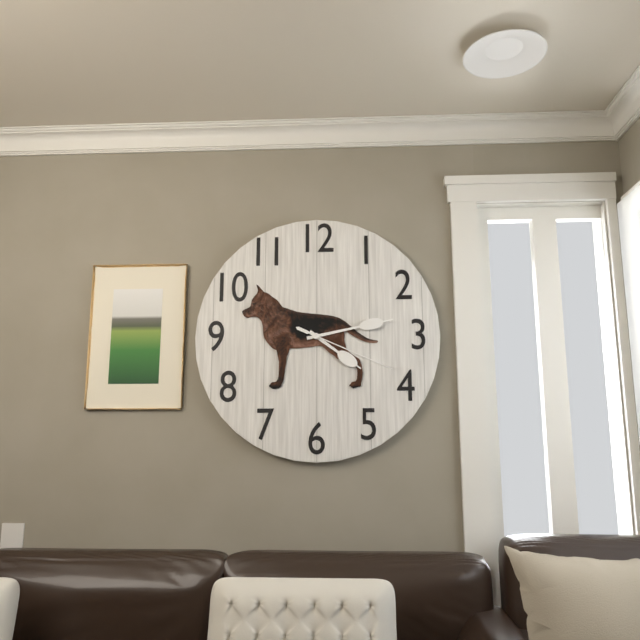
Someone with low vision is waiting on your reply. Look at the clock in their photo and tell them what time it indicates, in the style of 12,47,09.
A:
4,13,19
